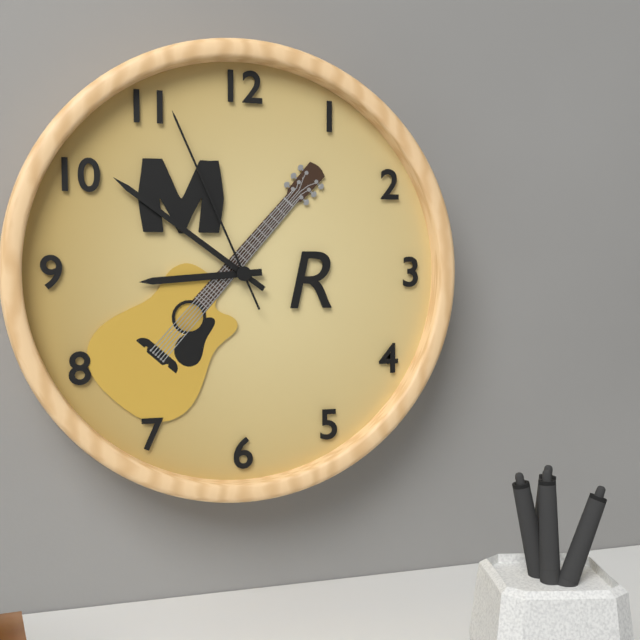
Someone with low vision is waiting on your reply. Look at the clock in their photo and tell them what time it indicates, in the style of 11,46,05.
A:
8,51,56
